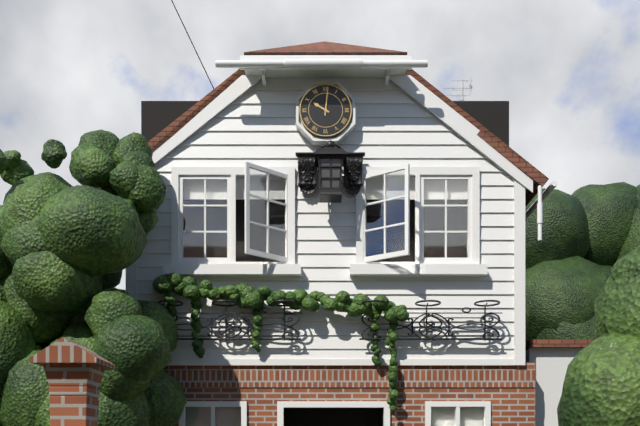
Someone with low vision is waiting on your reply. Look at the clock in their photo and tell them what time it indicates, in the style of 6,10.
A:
10,01
